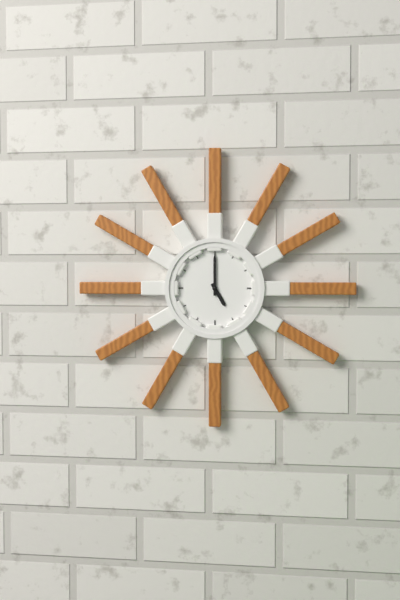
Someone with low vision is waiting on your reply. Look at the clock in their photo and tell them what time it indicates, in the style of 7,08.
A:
5,00
